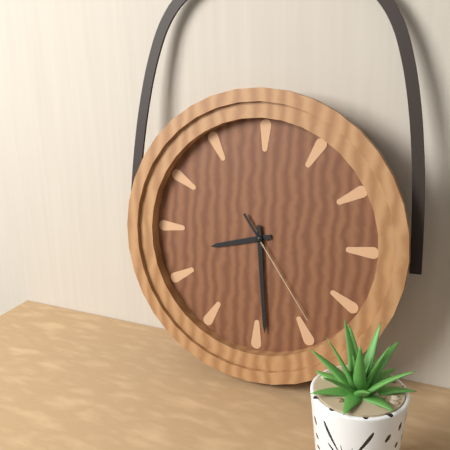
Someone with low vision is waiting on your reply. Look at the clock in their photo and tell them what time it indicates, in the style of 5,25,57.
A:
8,29,24
